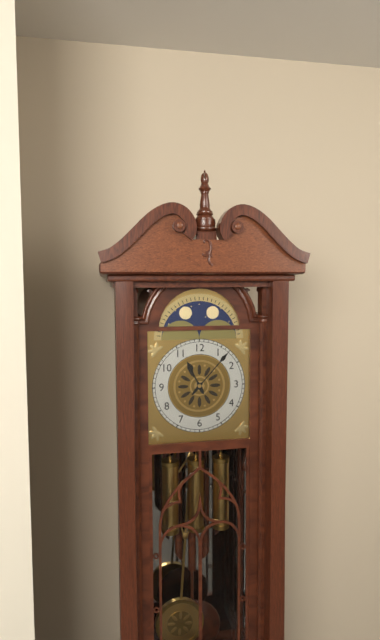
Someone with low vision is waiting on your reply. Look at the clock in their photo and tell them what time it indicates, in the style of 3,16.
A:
11,07
